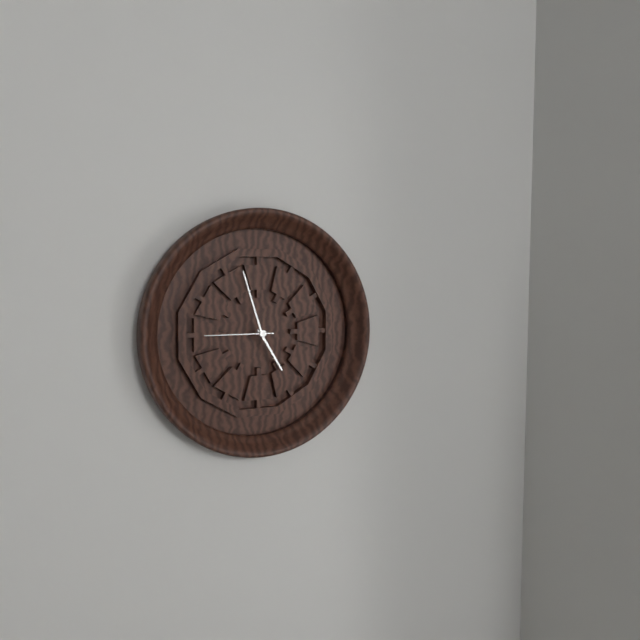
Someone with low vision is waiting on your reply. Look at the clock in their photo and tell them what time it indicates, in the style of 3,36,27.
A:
4,57,45
